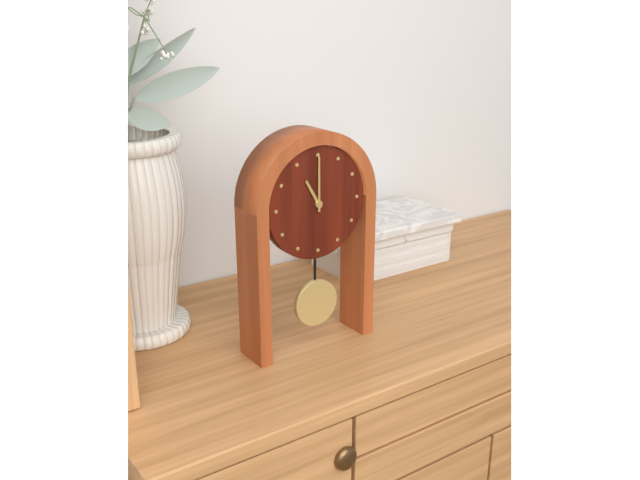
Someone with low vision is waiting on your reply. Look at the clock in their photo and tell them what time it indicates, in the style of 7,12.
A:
11,00
